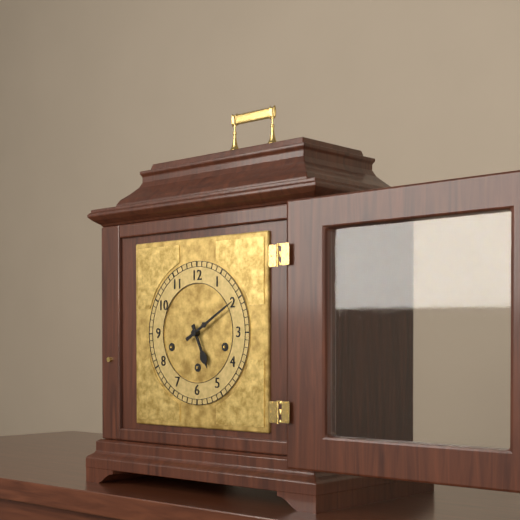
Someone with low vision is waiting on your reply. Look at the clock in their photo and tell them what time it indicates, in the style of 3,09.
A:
5,10
